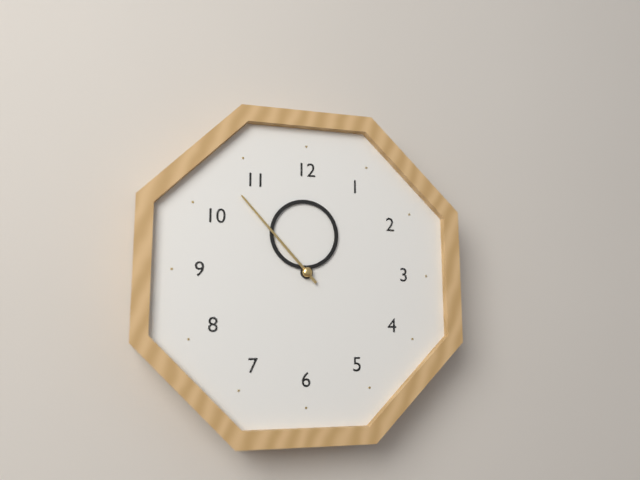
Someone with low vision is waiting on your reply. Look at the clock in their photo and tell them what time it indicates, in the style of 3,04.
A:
11,53
